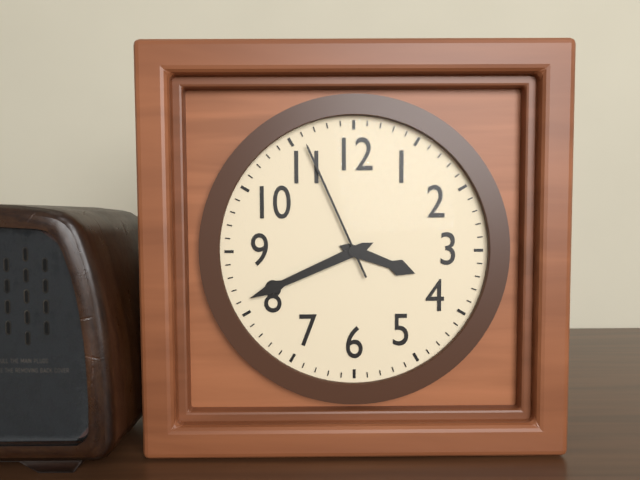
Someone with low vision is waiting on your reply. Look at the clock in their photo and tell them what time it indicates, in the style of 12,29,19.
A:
3,41,56
